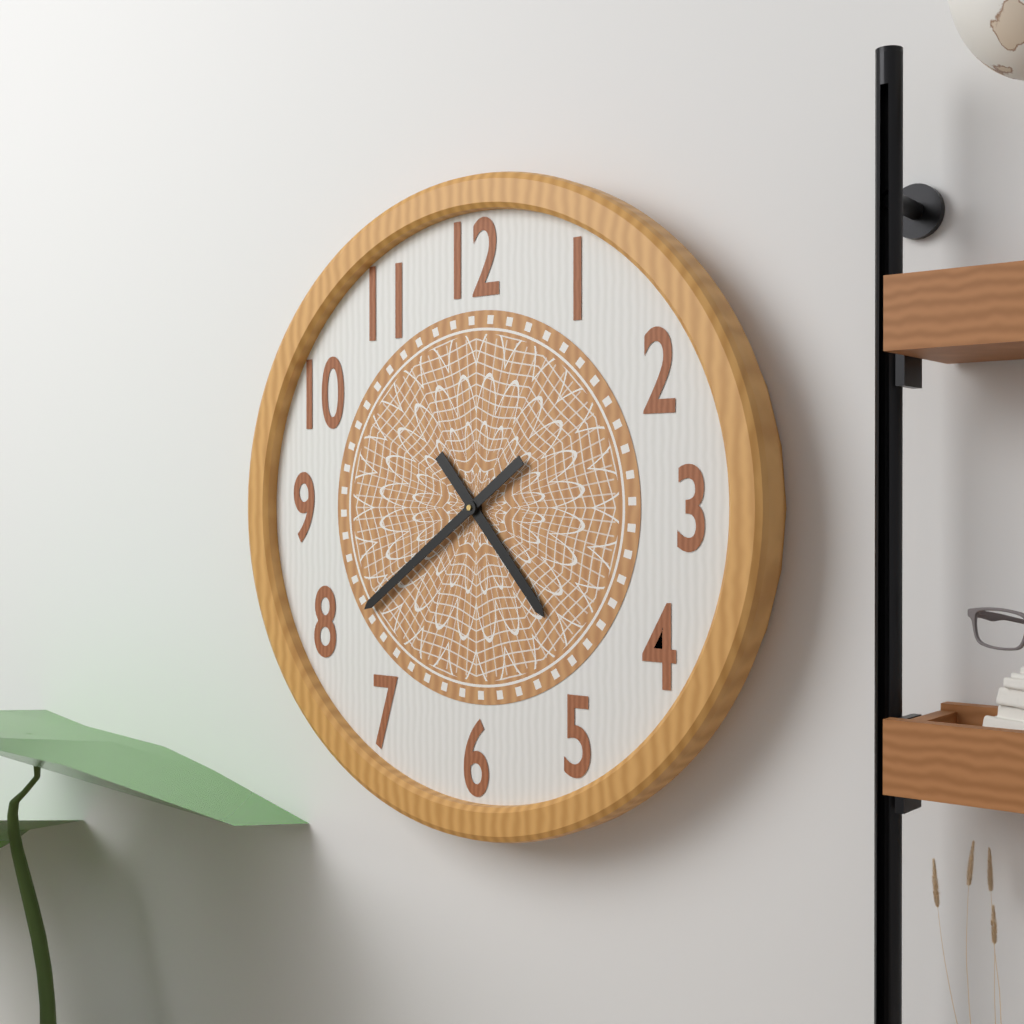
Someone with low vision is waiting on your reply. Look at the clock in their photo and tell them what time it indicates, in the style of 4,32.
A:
4,39
